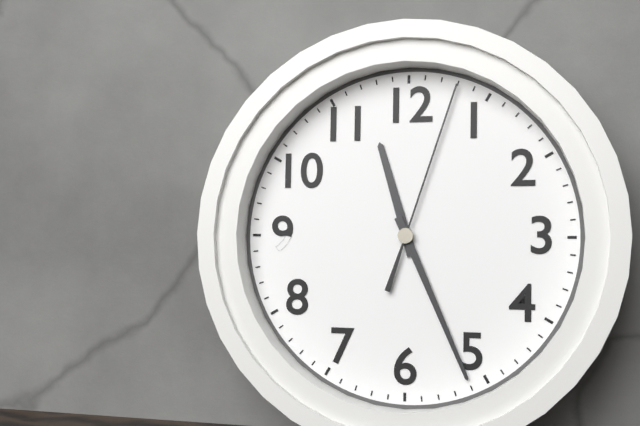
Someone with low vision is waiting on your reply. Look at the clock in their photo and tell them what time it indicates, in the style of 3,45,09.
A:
11,26,03
